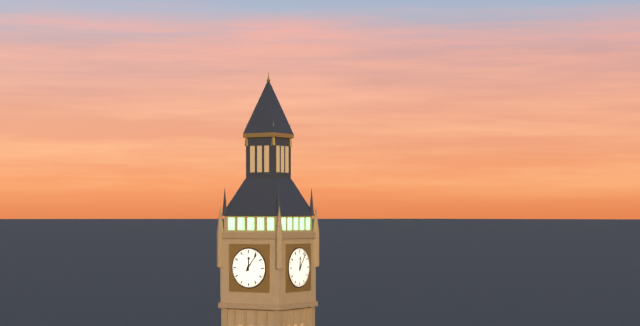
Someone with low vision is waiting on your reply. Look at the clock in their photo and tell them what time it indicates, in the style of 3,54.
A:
12,06
